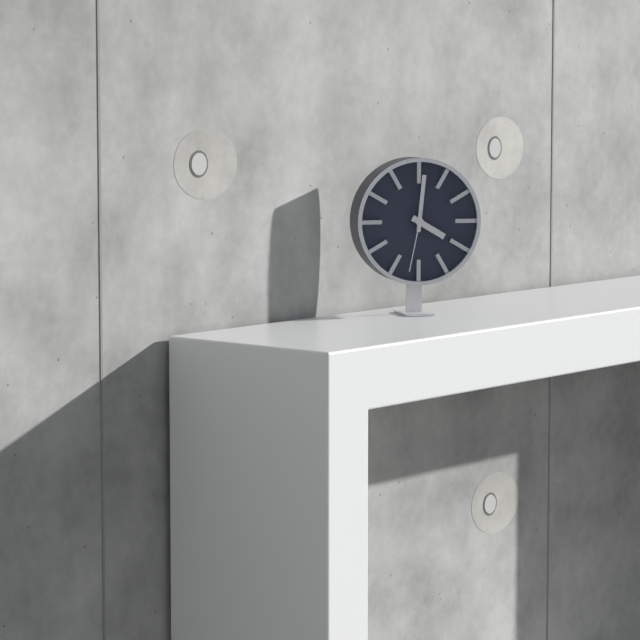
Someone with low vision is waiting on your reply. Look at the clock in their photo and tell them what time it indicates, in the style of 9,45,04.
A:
4,01,32
